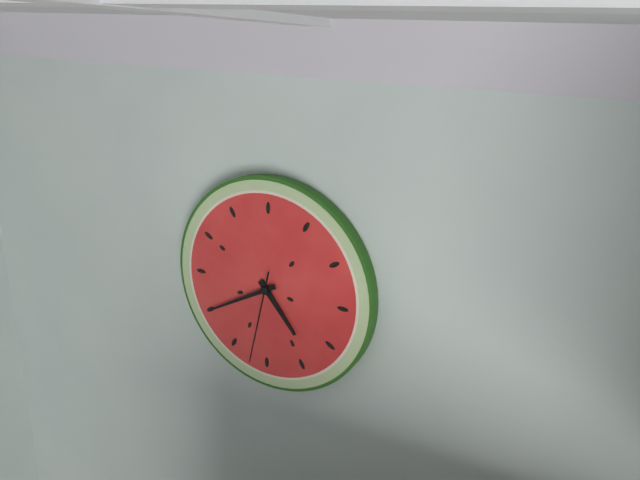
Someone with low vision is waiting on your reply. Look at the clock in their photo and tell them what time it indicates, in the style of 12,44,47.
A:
4,40,32
